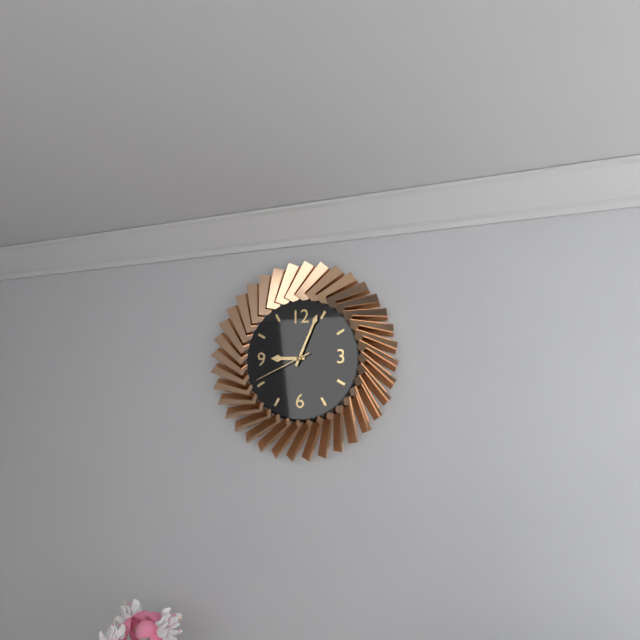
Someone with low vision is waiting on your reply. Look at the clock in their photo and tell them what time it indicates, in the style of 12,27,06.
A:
9,04,41
